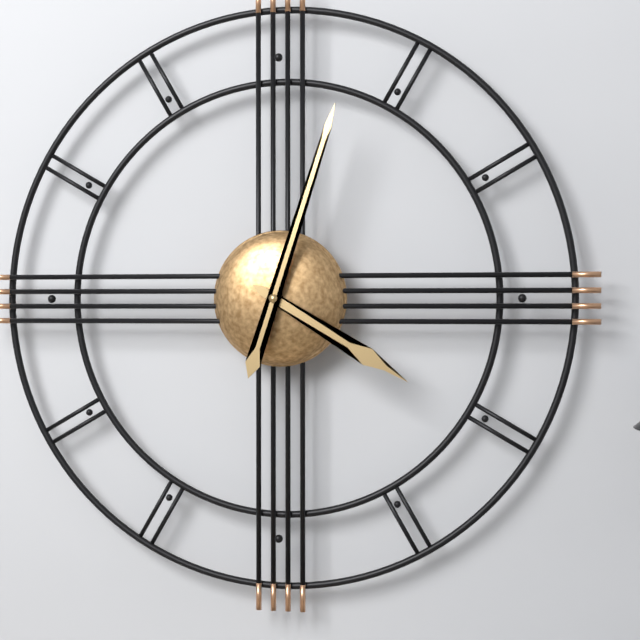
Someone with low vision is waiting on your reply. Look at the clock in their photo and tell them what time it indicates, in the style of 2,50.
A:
4,03
